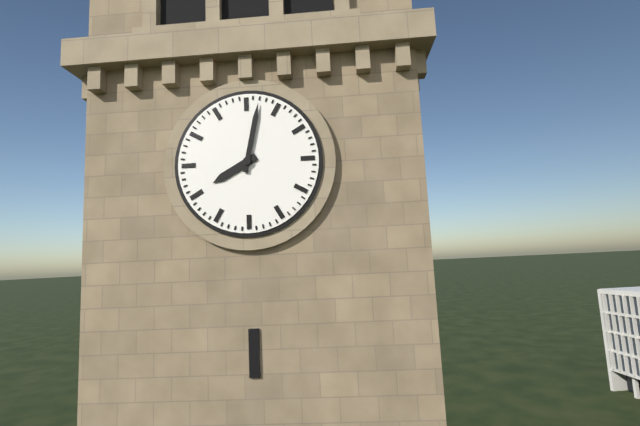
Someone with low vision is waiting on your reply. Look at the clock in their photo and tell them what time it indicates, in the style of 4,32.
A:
8,02
